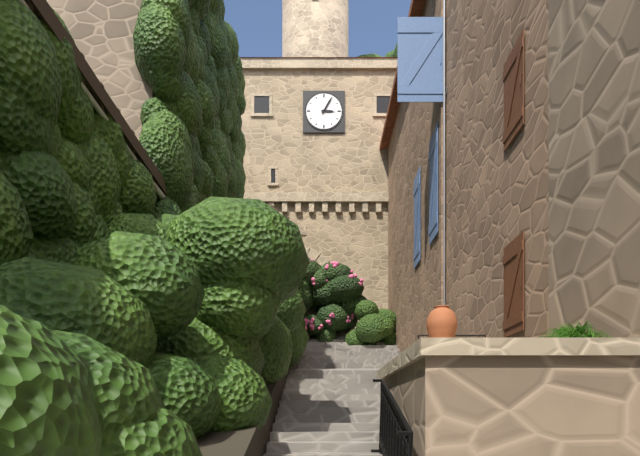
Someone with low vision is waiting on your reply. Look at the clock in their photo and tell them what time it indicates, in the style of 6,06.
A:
3,05
